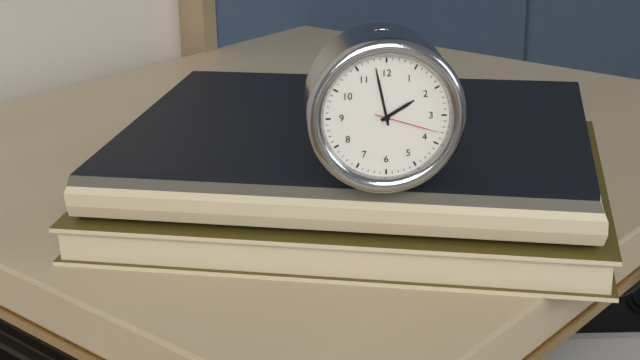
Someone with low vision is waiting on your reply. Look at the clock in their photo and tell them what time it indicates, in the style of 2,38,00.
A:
1,58,18
